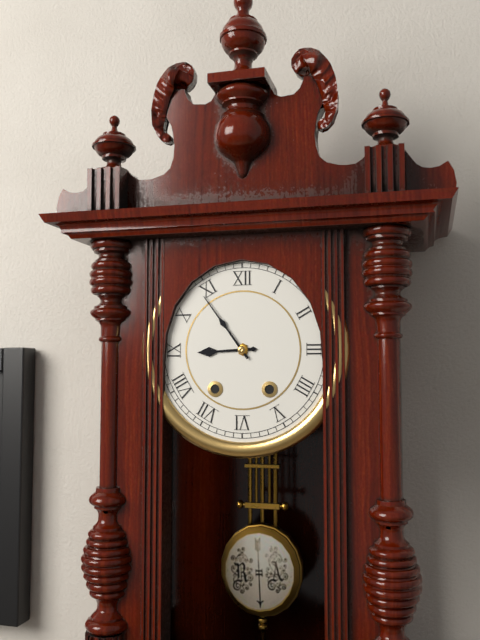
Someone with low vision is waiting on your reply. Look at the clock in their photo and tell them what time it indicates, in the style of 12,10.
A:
8,54
